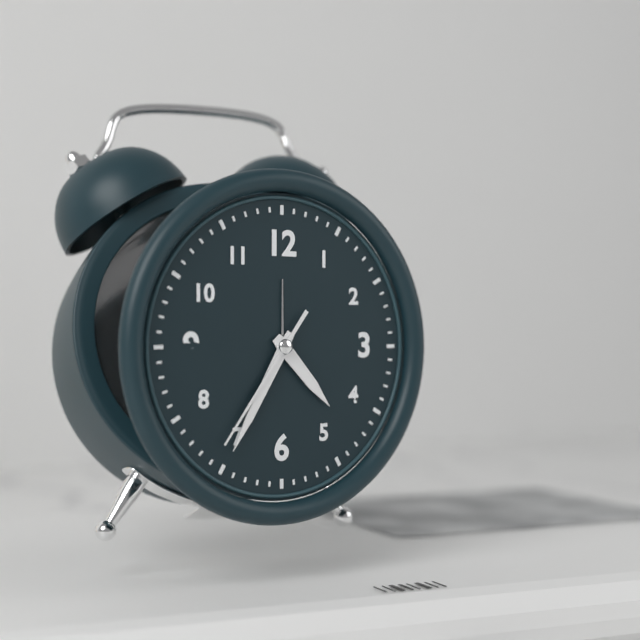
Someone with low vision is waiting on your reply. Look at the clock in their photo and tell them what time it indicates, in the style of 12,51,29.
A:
4,35,36
